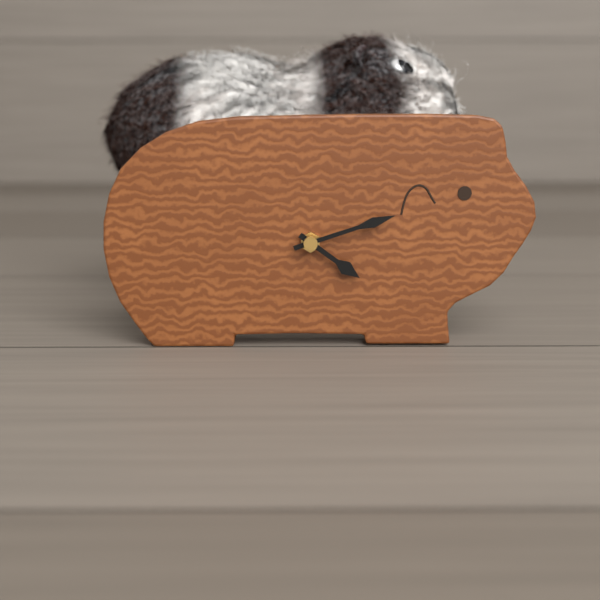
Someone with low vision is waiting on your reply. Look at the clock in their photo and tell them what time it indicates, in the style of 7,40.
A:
4,12
